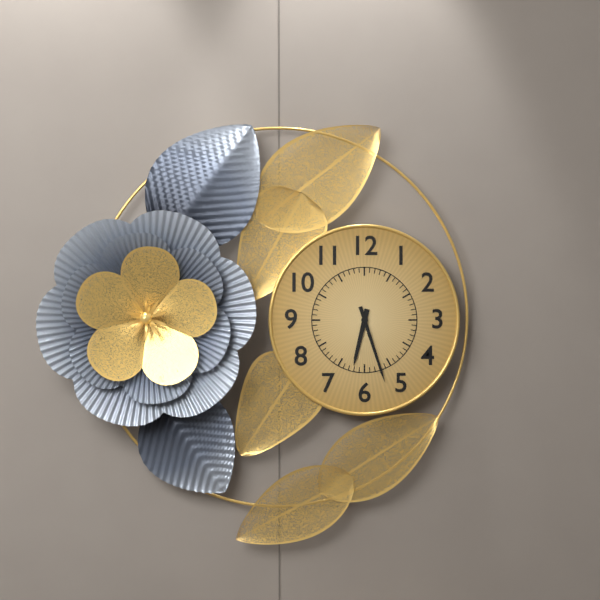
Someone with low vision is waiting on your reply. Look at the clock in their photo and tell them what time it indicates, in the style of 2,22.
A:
6,27
